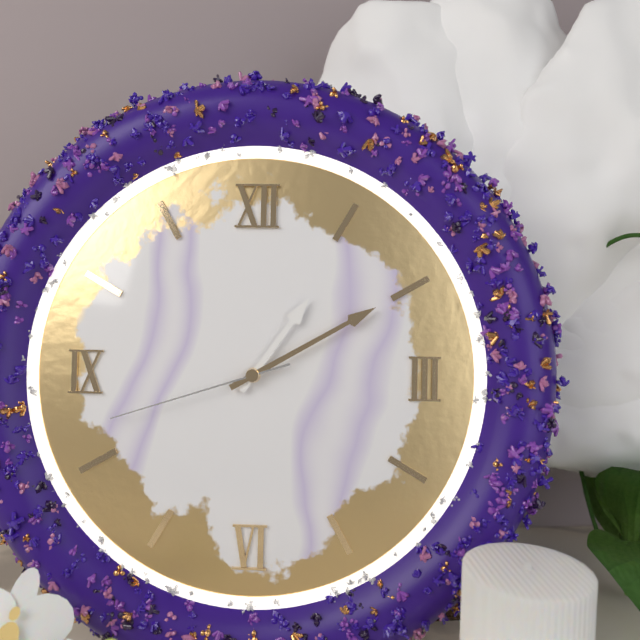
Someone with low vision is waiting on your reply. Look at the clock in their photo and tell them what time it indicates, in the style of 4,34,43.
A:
1,10,42
